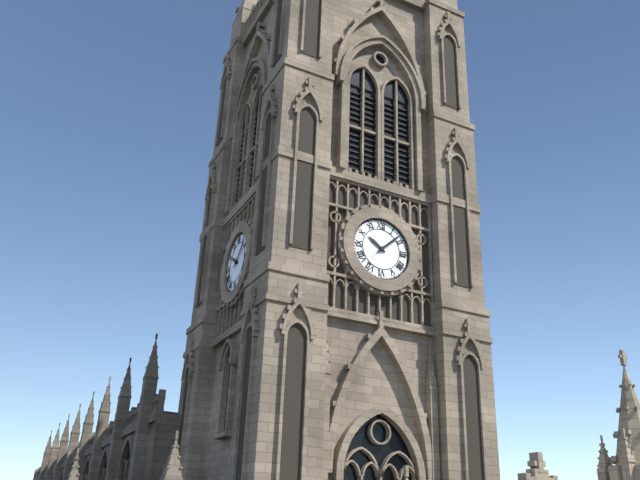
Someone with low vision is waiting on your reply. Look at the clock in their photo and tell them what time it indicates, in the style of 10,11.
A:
10,08
